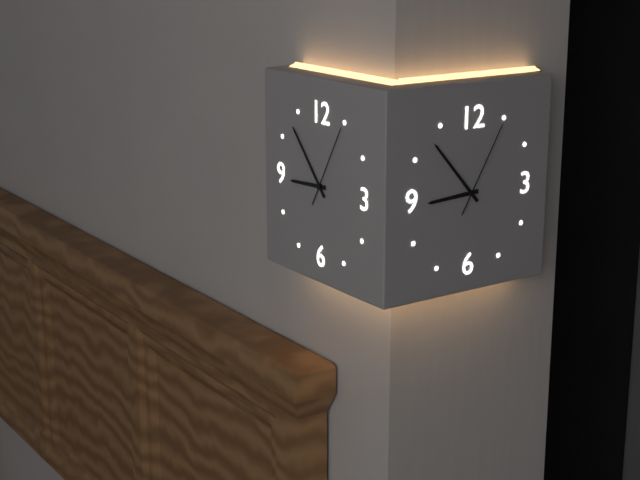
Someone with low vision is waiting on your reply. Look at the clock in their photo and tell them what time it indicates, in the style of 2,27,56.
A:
8,53,05
